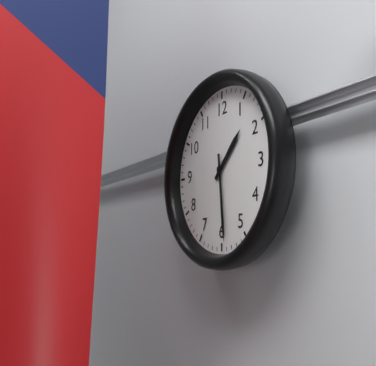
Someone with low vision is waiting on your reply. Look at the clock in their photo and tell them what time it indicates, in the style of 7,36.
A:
1,29
